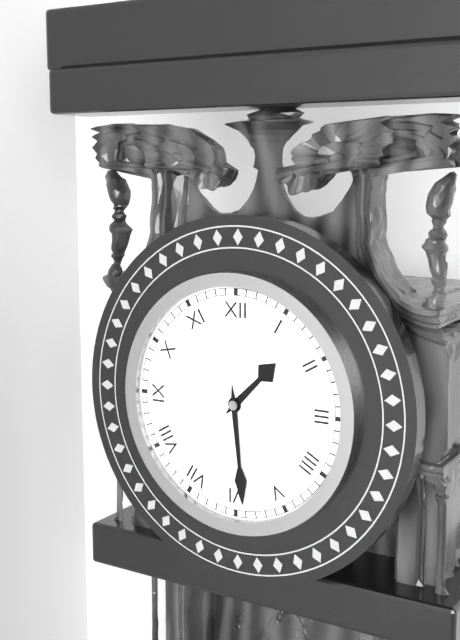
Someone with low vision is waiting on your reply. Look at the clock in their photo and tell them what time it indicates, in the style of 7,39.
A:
1,29
